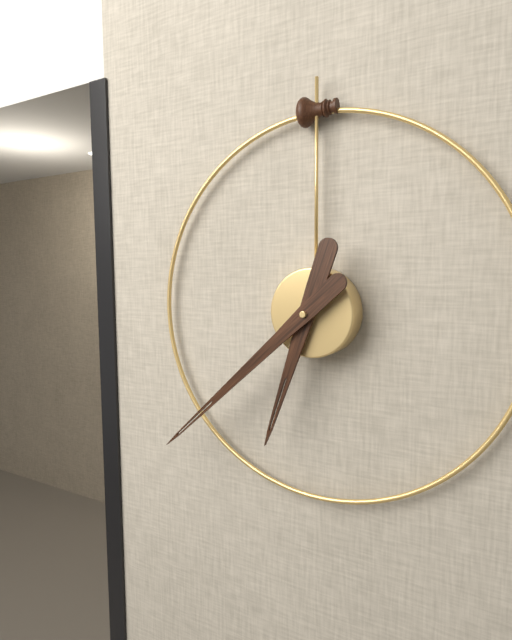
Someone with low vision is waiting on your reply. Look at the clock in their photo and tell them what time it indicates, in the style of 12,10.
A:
6,38
